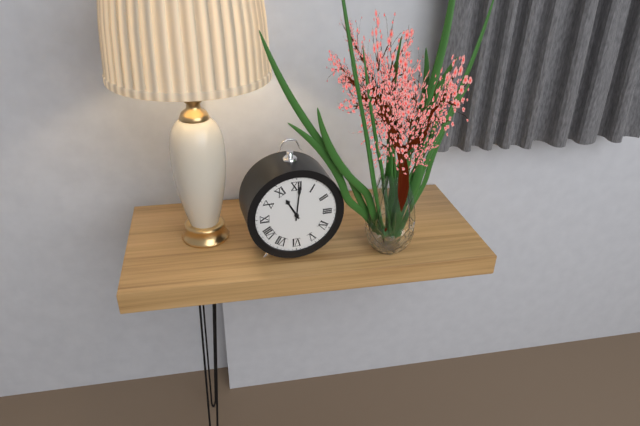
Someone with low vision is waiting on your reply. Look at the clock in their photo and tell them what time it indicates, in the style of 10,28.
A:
11,01
